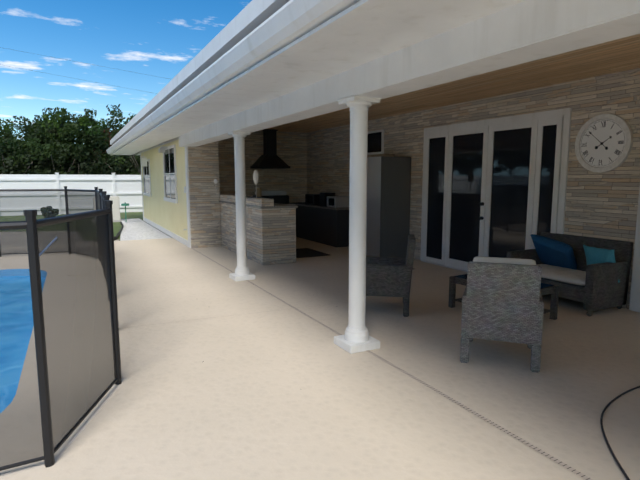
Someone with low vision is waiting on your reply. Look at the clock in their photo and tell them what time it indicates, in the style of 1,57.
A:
1,52
